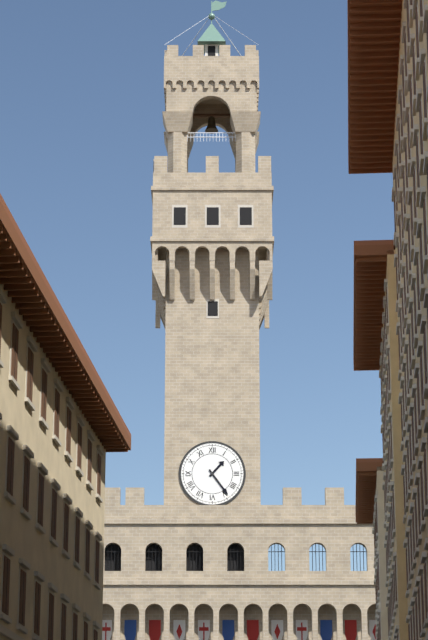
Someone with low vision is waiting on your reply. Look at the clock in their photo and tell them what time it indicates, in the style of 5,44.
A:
1,24
